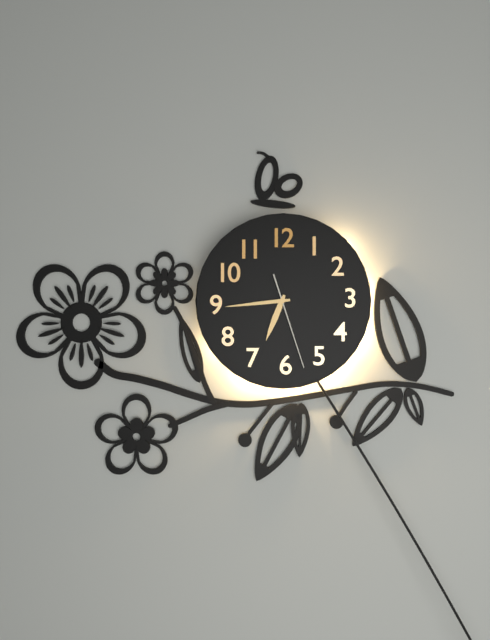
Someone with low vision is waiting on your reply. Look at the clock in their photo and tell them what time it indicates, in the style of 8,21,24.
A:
6,44,27
